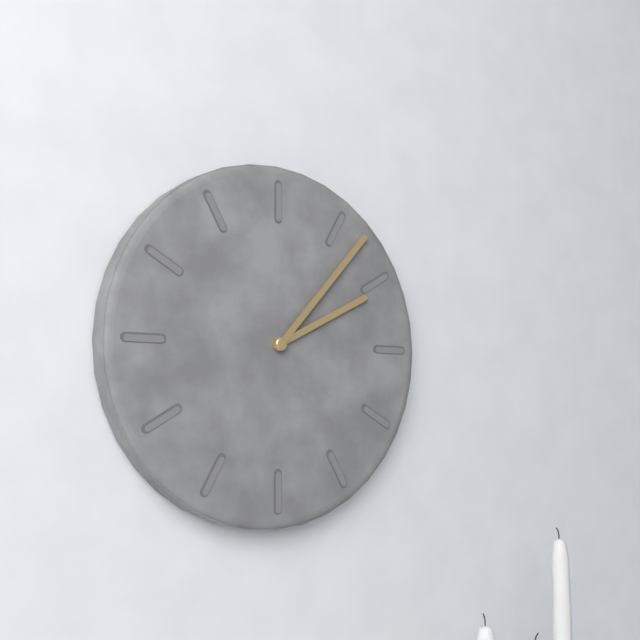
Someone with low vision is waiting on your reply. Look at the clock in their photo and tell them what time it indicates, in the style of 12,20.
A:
2,07
